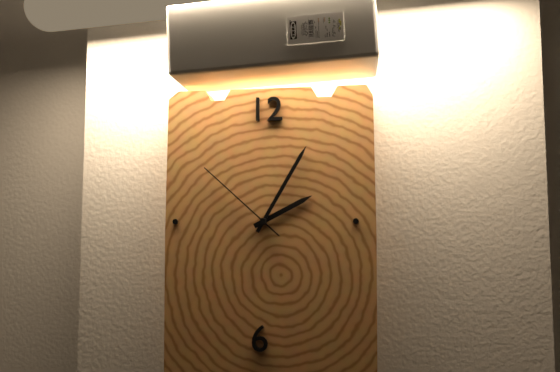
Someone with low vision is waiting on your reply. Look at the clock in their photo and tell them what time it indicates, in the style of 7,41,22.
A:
2,05,52
